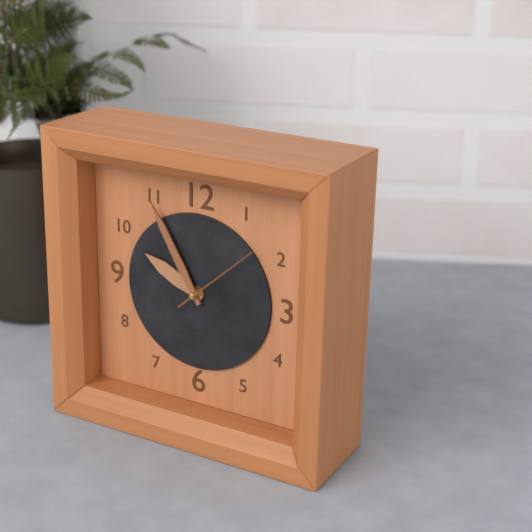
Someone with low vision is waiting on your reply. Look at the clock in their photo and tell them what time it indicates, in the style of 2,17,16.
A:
9,55,08
